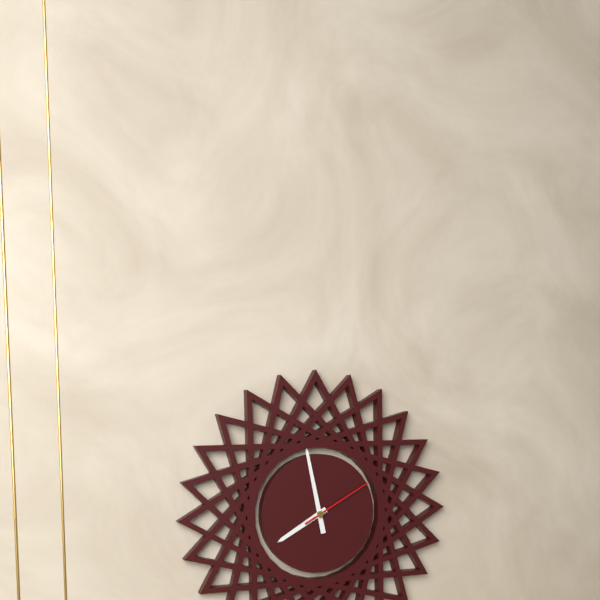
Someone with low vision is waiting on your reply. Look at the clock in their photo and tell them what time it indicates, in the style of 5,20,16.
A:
7,58,10
